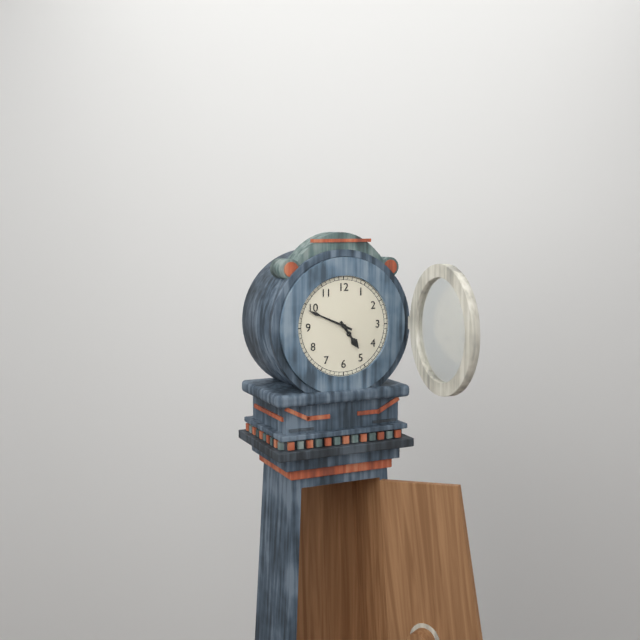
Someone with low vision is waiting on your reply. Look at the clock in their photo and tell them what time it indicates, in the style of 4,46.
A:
4,49
